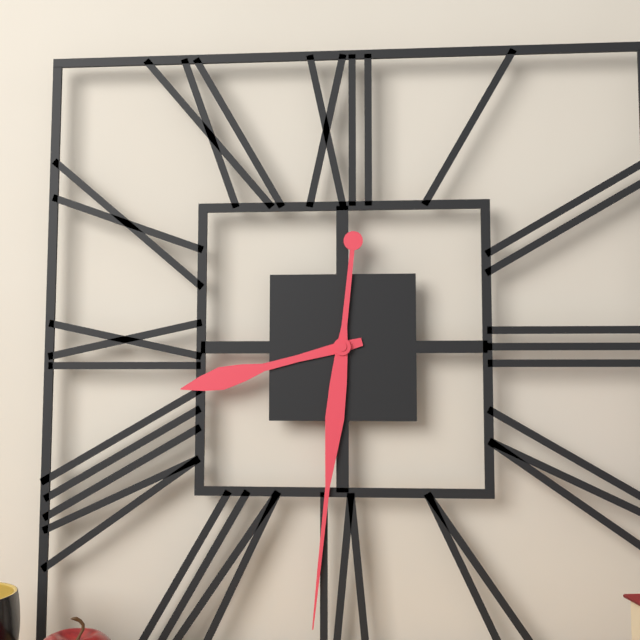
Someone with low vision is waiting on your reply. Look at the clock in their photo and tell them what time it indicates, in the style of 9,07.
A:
8,31
